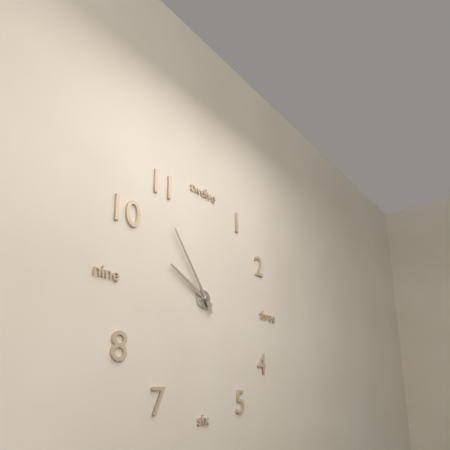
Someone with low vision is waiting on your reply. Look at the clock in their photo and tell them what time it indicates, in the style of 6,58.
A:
9,54
